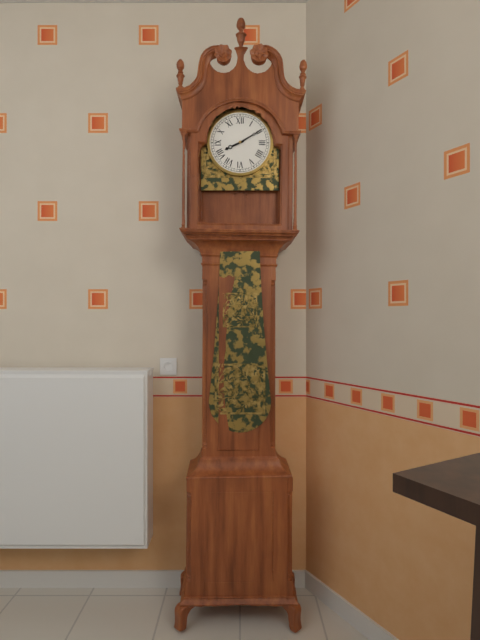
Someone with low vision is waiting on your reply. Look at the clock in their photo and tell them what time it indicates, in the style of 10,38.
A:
8,10
